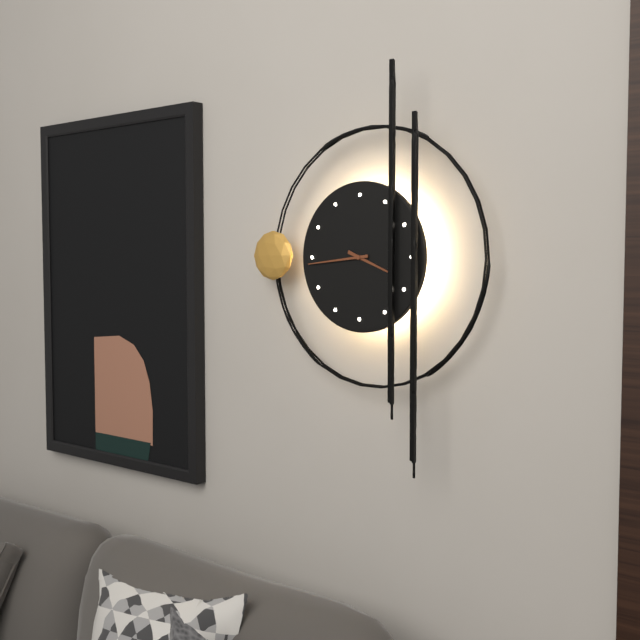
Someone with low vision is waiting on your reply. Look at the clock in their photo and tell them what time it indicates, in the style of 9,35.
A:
3,44
